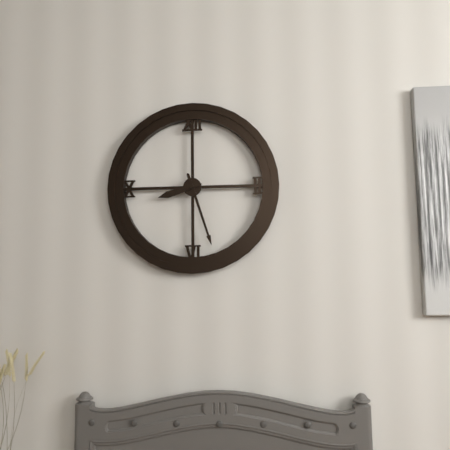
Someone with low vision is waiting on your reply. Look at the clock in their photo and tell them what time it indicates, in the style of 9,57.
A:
8,27
